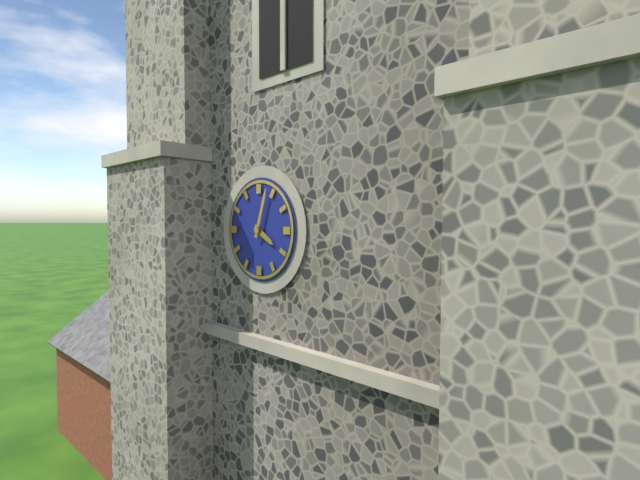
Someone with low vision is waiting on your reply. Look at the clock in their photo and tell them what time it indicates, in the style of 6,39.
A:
4,03
